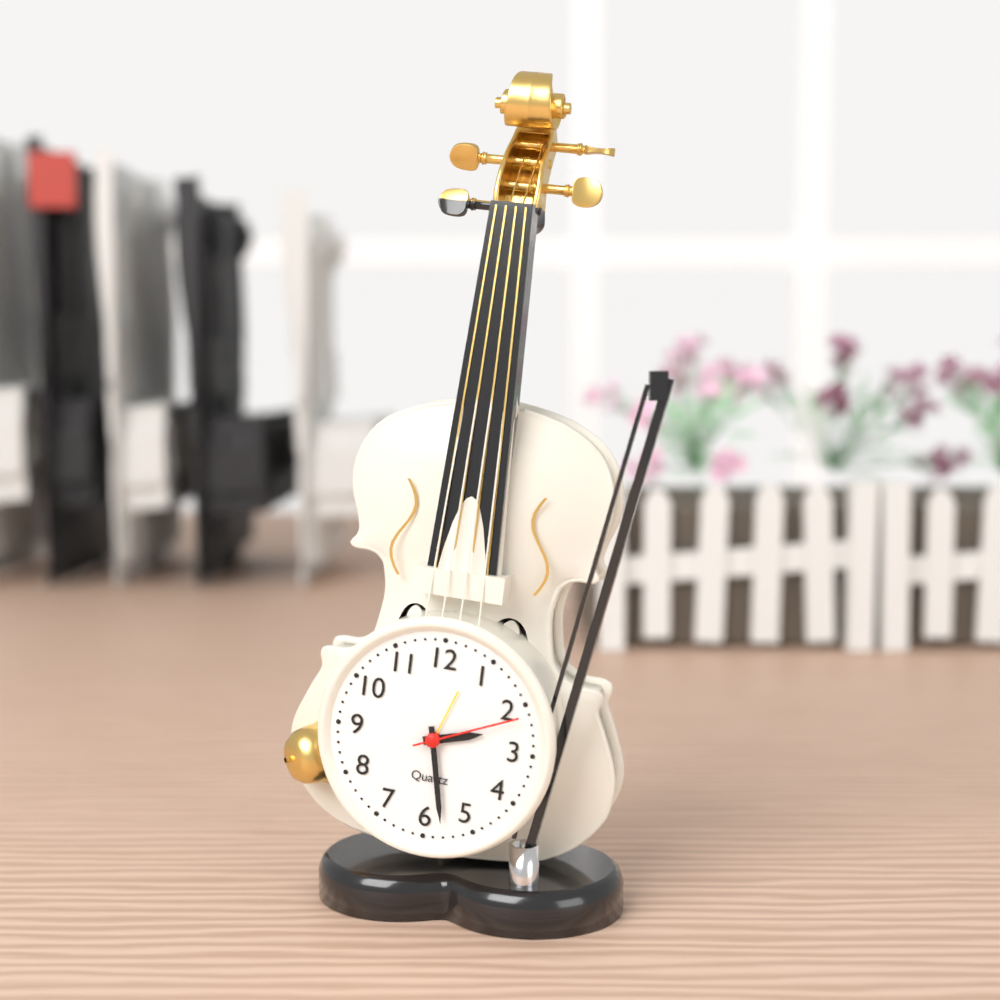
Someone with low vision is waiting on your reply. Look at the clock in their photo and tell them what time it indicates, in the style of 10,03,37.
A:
2,28,11
